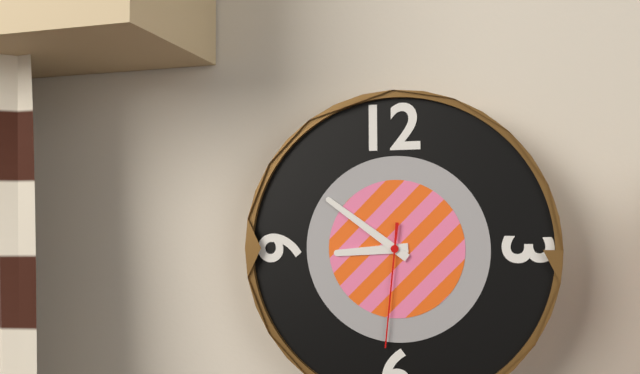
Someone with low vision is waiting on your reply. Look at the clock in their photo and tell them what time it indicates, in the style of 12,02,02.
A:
8,51,31
